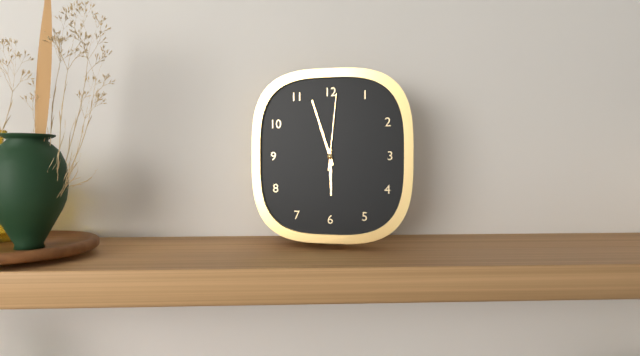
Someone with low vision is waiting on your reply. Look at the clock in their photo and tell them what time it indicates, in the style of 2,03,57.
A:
5,57,01
